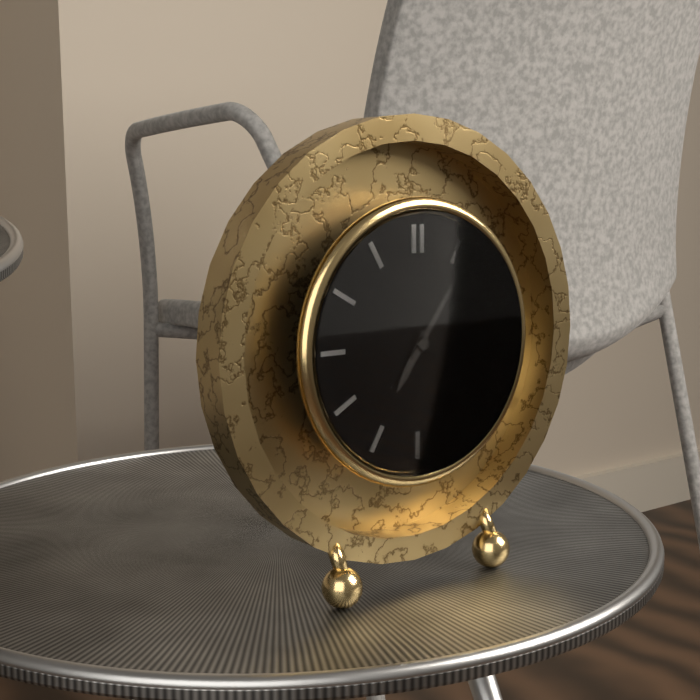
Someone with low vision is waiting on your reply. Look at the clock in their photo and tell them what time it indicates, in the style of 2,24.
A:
7,06
